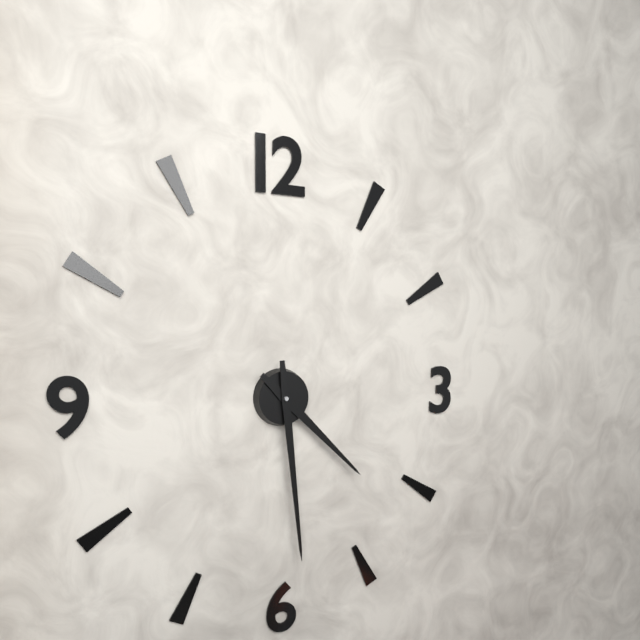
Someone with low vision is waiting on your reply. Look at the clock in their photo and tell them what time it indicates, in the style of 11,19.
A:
4,29
